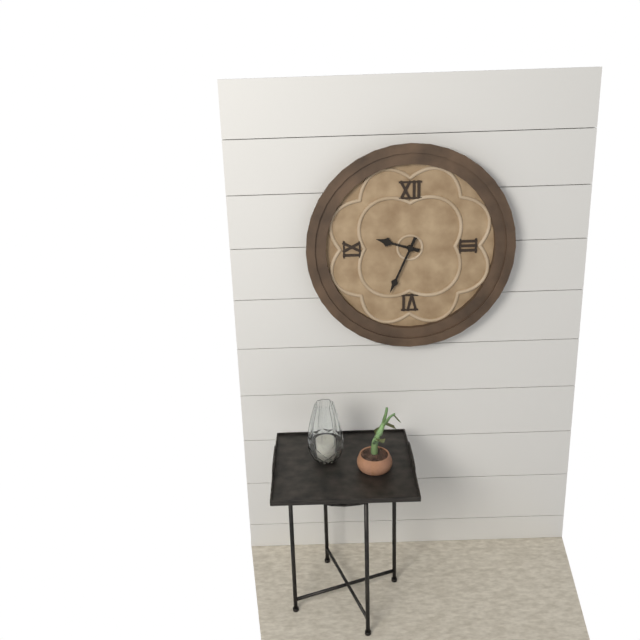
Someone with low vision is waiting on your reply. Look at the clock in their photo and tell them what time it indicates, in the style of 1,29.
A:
9,34
